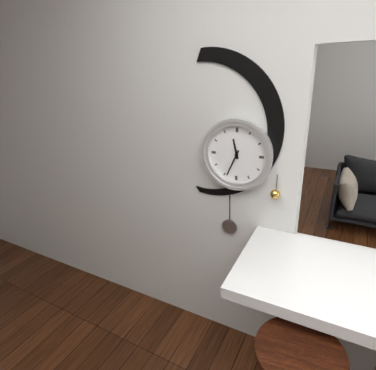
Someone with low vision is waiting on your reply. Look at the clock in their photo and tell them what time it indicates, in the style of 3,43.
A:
11,34
